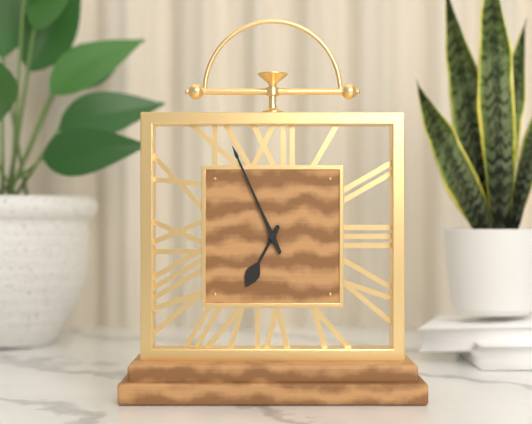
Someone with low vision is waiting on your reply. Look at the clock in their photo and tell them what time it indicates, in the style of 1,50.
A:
6,56
